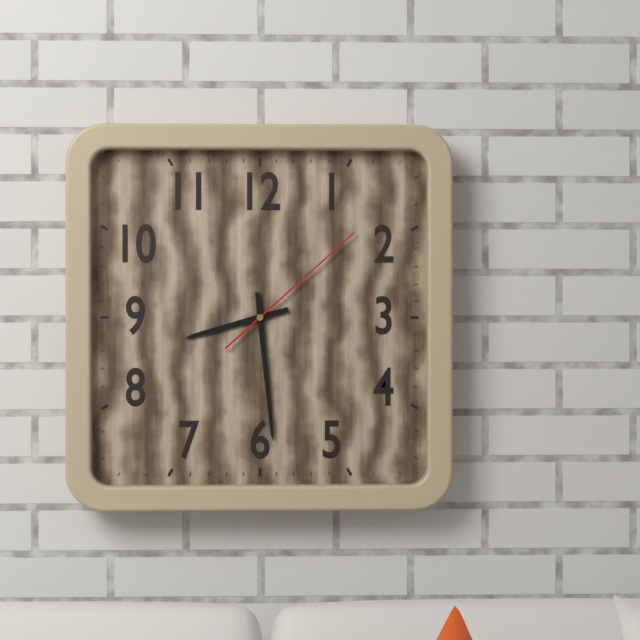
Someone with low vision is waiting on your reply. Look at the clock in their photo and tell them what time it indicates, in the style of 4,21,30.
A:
8,29,08
